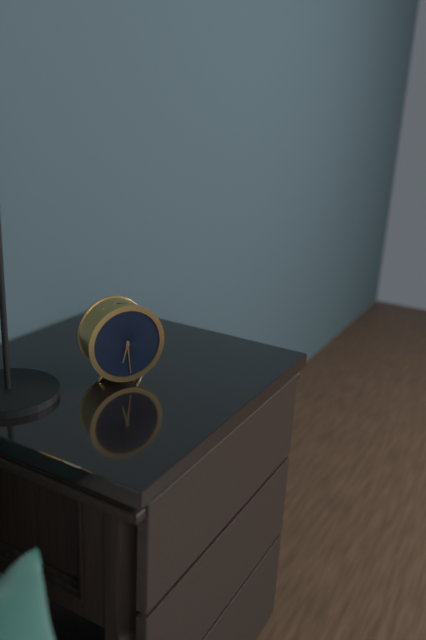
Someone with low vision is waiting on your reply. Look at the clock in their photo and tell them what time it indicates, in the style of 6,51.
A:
6,29
